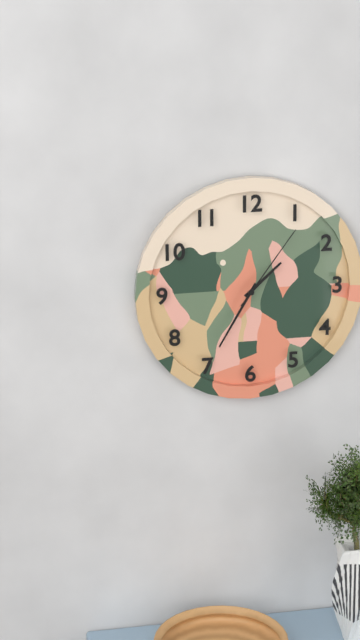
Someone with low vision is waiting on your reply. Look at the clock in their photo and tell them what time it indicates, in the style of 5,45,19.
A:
1,35,06
